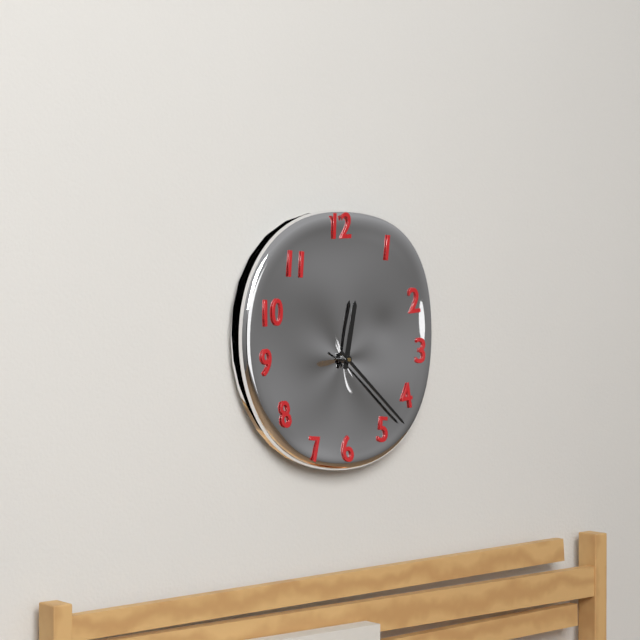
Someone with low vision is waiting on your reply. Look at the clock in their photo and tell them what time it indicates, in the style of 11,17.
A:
12,22
